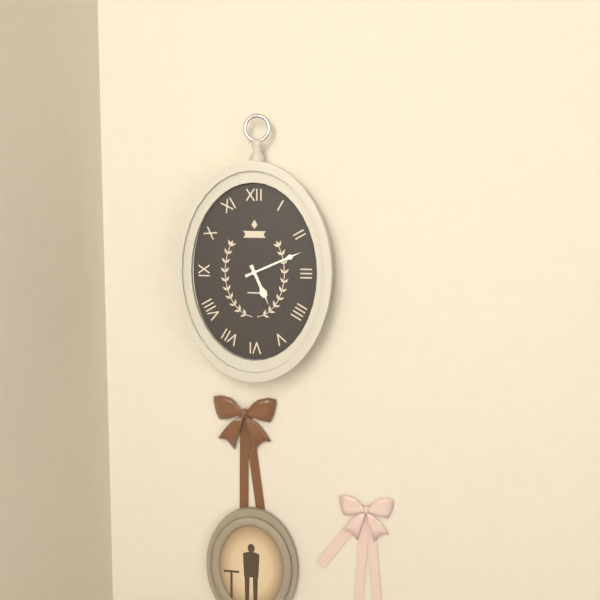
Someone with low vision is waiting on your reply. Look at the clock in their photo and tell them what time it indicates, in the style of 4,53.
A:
5,11
